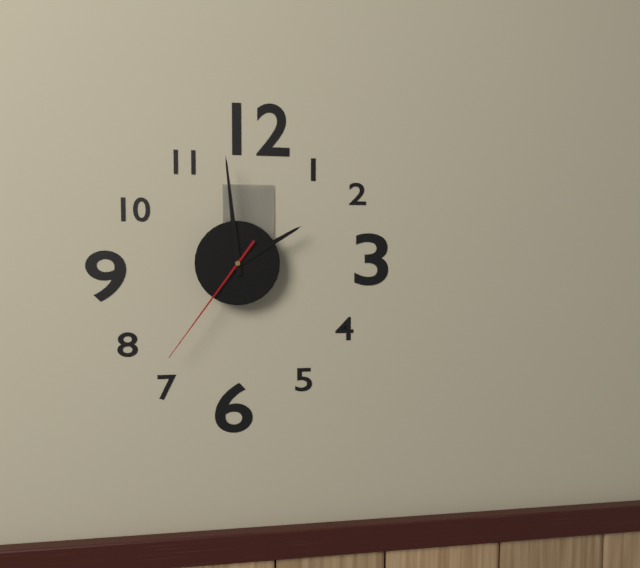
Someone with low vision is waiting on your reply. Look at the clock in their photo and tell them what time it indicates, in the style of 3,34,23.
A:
1,59,36
